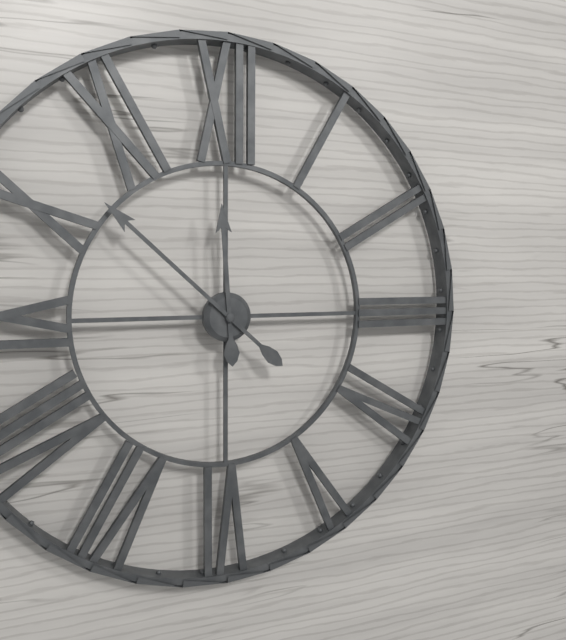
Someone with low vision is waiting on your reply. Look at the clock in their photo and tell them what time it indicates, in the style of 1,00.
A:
11,52
